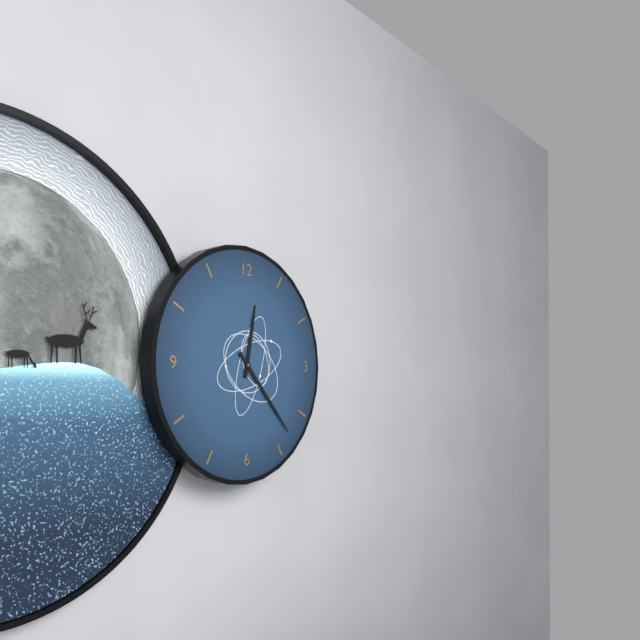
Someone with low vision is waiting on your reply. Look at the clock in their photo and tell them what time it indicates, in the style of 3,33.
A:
12,23
